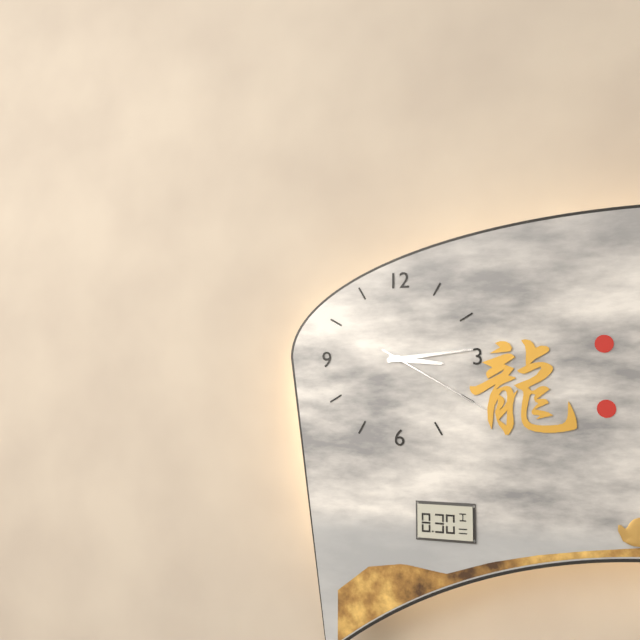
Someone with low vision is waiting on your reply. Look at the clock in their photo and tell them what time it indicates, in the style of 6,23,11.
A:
3,14,20
